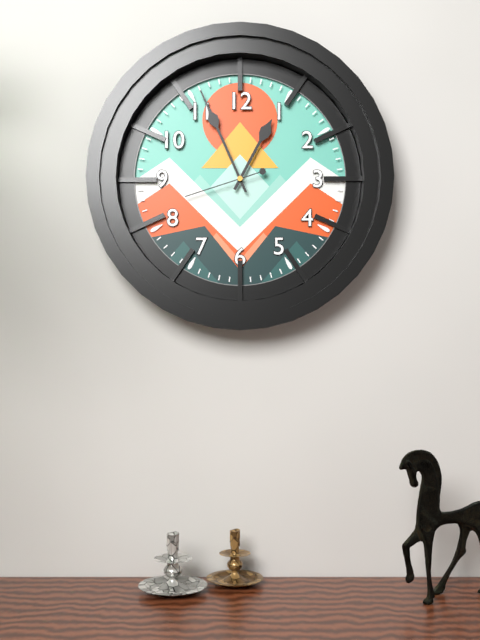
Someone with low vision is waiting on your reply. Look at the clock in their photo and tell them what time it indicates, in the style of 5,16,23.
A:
12,56,42
